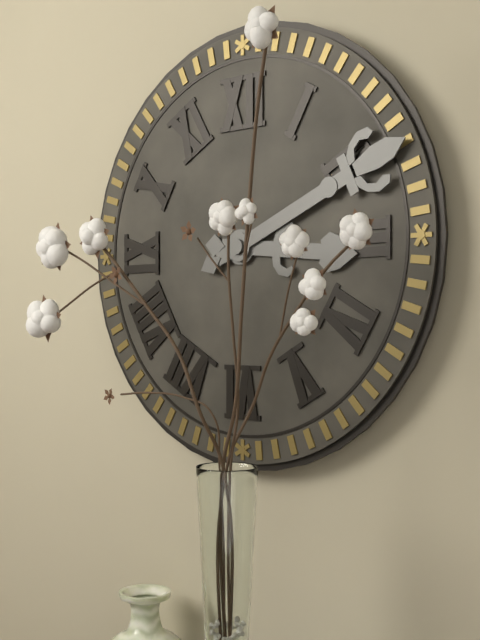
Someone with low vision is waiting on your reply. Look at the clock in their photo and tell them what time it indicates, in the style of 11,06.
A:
3,11
